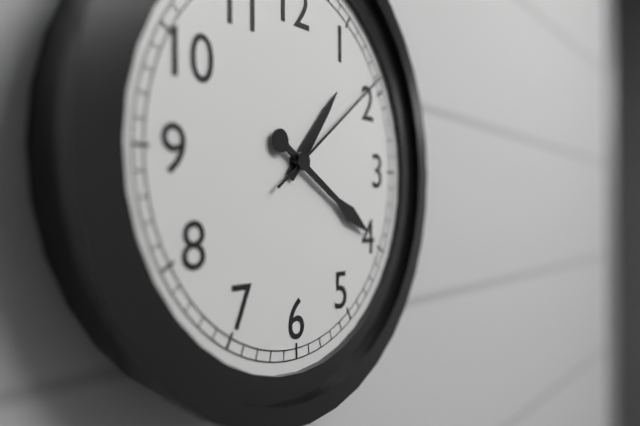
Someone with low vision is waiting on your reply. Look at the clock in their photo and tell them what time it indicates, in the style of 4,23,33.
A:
1,20,09
